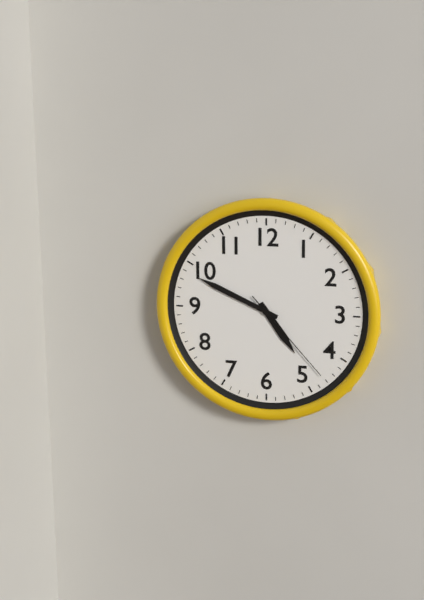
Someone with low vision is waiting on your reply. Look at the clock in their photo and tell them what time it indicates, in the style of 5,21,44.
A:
4,49,23
